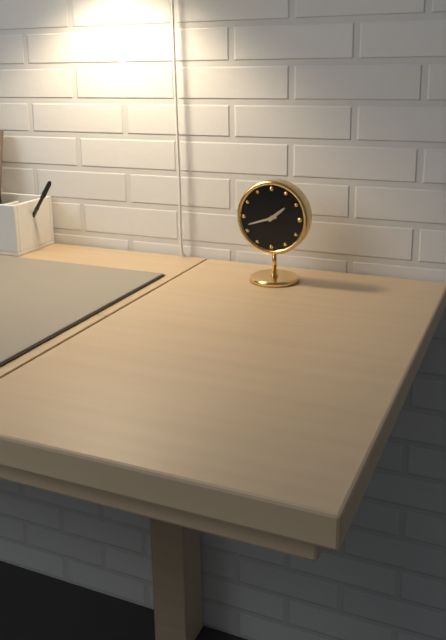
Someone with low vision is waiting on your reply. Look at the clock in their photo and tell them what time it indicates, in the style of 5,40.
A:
1,42
